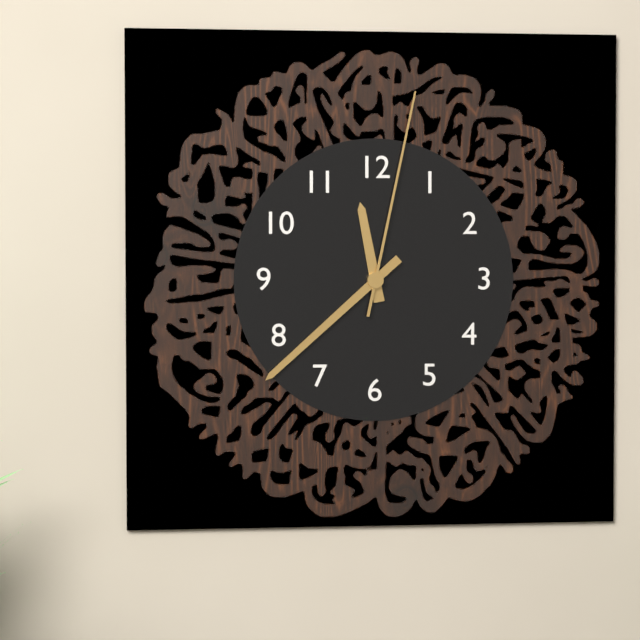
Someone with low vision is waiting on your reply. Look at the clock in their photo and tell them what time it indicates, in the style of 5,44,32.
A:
11,38,02
